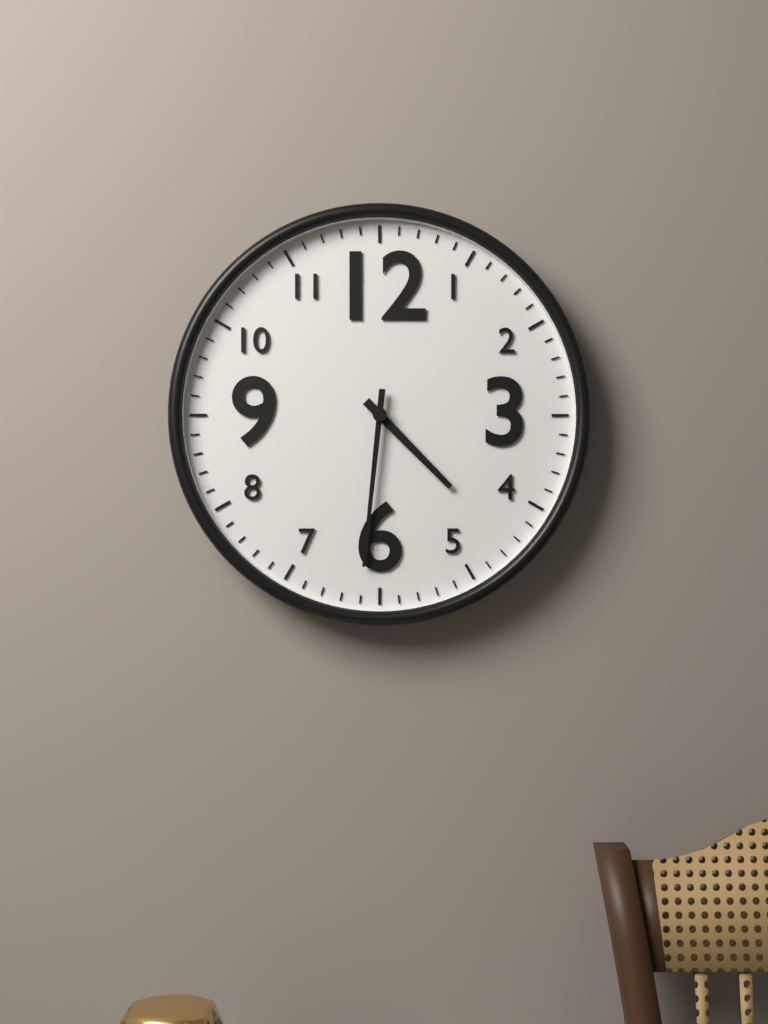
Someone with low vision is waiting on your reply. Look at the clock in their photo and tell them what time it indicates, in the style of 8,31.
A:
4,31
